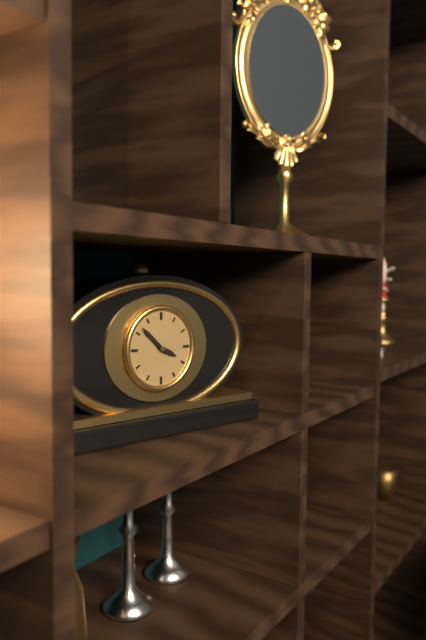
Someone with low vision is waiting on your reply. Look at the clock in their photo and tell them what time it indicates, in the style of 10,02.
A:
3,52
